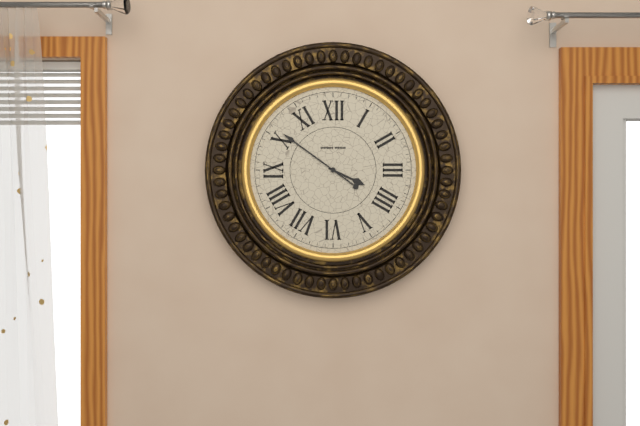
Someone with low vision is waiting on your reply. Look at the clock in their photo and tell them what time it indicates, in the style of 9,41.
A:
3,51
